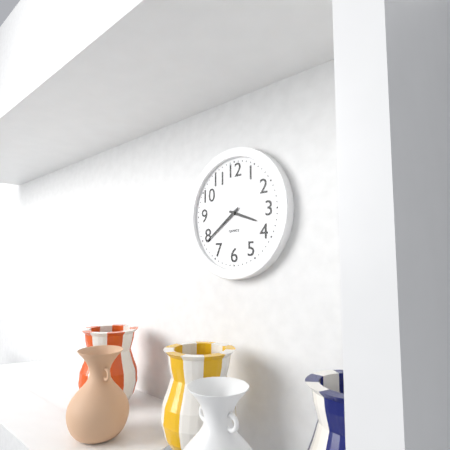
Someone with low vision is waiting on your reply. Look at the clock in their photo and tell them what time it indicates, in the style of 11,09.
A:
3,39
